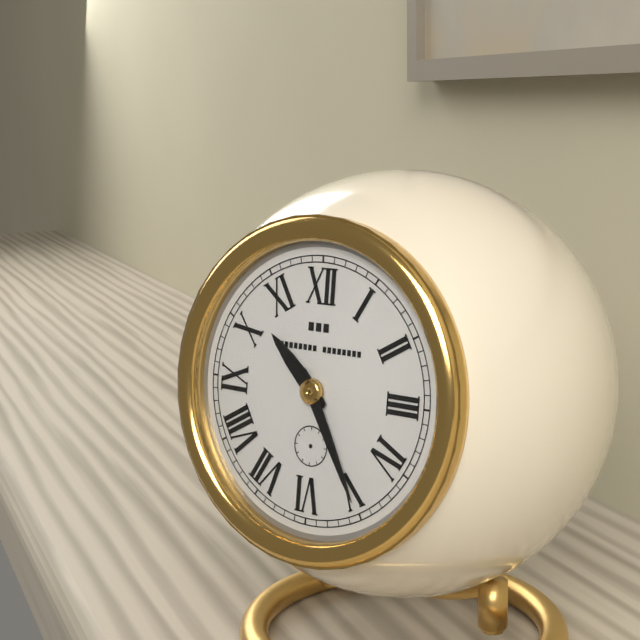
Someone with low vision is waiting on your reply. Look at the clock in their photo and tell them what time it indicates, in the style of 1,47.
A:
10,25
